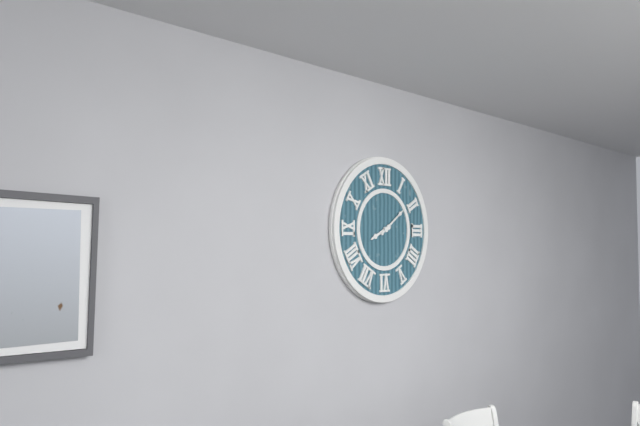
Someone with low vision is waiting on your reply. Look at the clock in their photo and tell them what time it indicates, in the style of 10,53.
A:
8,09
